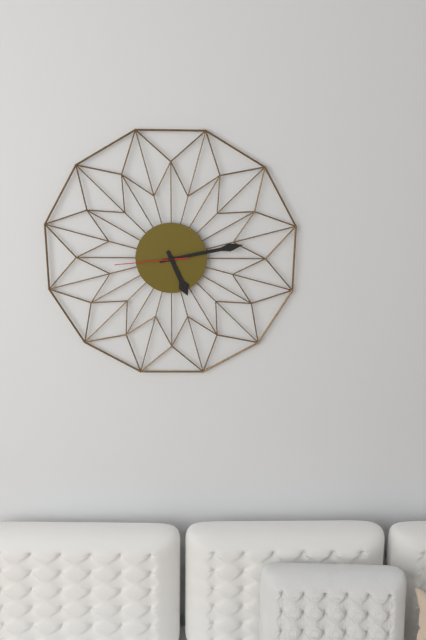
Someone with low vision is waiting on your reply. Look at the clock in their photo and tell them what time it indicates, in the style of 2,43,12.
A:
5,13,44
